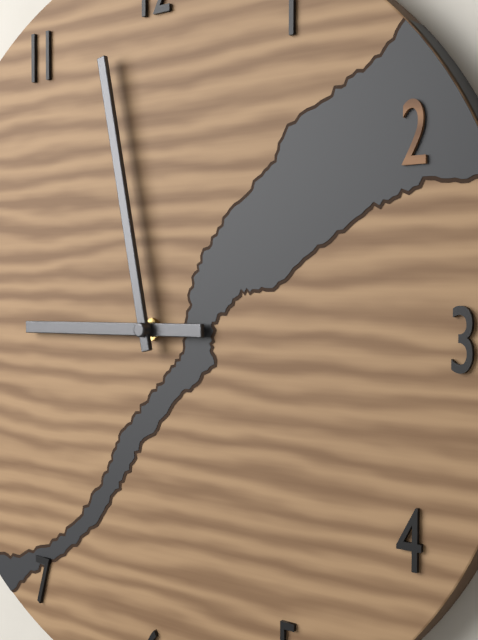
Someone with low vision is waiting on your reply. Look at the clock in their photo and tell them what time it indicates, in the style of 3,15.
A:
8,58
